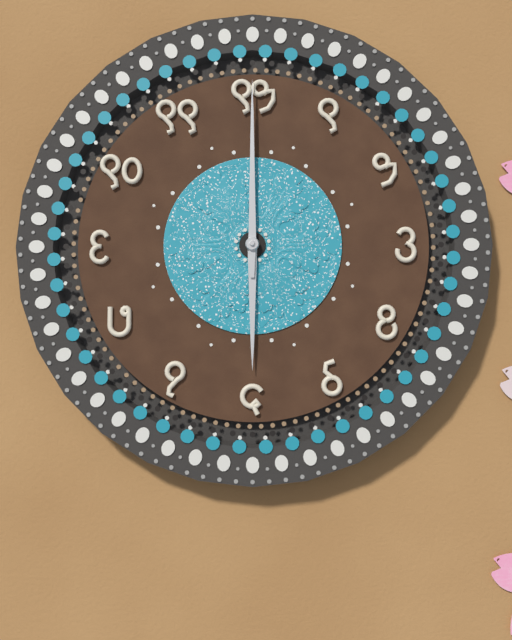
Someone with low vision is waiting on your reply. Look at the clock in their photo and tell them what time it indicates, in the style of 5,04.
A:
6,00
